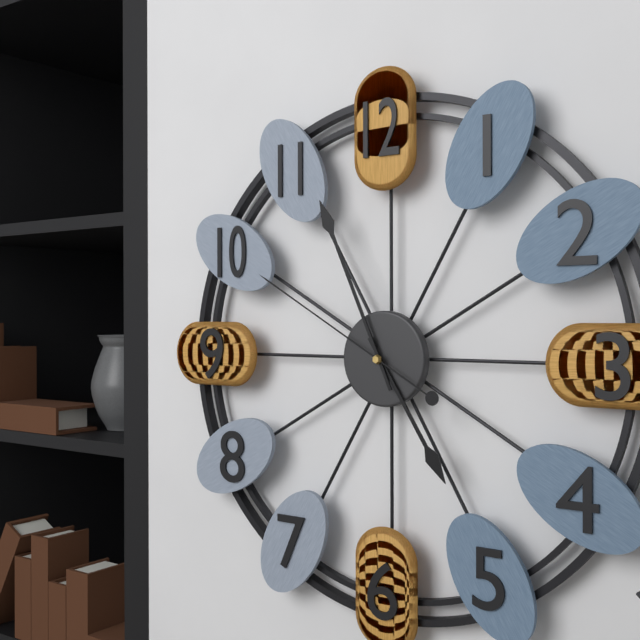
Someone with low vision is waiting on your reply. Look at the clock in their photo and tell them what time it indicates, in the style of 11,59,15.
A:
4,56,50
